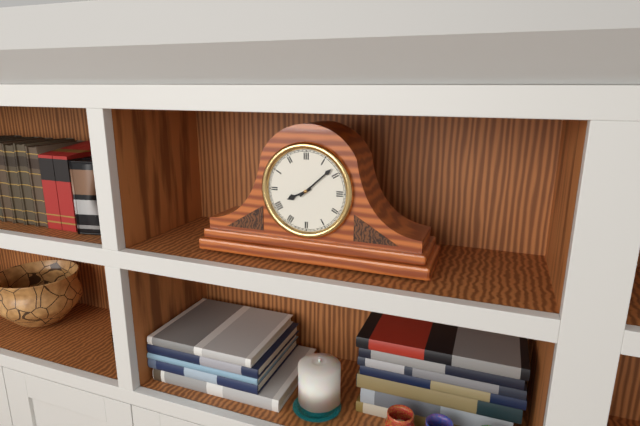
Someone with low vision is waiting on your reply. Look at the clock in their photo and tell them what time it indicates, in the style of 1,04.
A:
8,08
